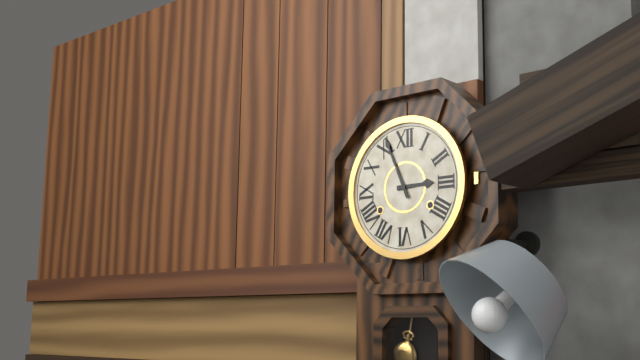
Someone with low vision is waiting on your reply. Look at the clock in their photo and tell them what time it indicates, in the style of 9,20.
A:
2,56
